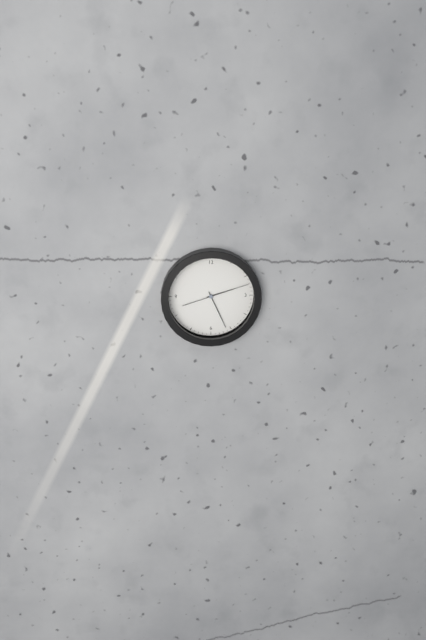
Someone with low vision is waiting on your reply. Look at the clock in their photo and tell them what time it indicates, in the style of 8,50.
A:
2,26
